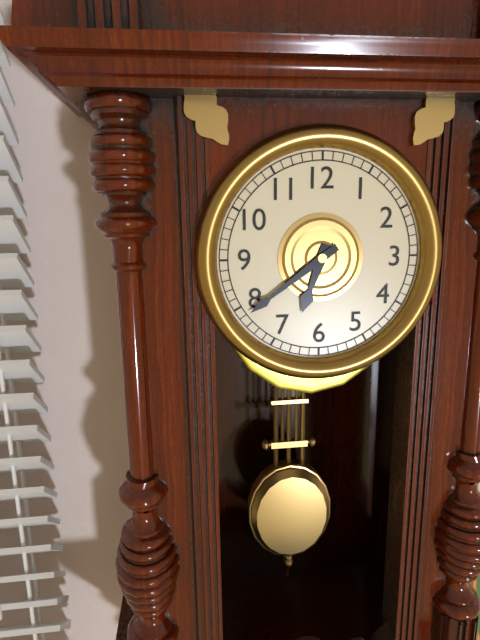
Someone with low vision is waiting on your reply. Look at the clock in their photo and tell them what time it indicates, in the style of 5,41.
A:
6,39
